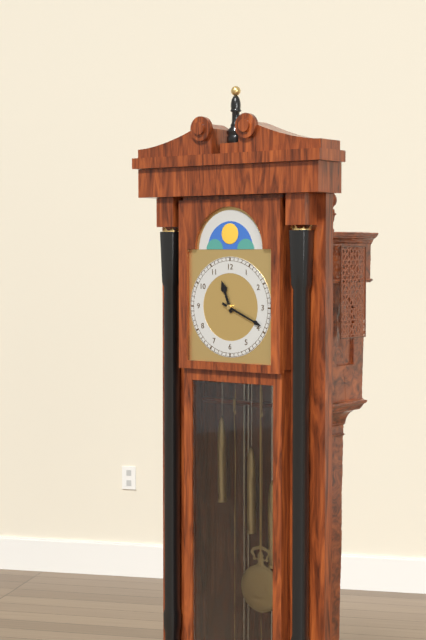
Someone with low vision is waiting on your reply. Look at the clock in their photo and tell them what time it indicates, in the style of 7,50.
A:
11,19
